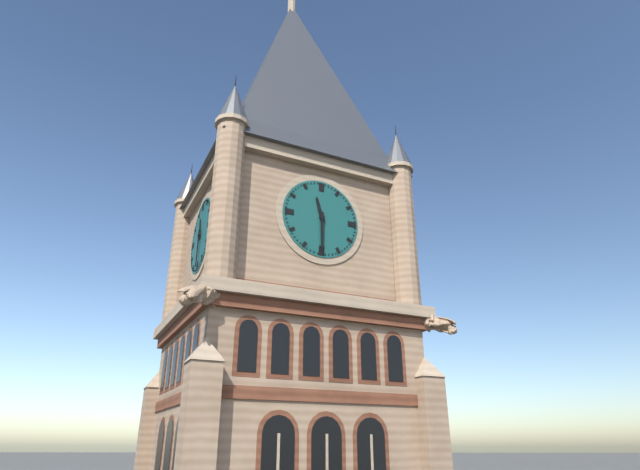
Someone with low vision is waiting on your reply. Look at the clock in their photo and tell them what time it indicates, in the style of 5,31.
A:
11,30
